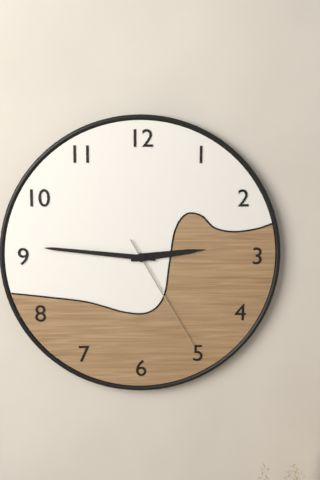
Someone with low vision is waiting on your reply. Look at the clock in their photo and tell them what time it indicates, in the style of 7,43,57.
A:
2,46,25
